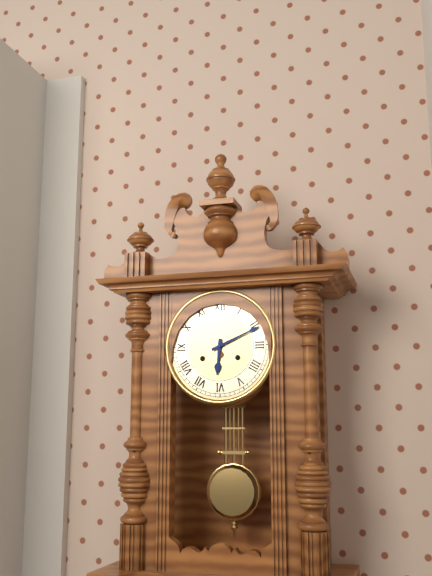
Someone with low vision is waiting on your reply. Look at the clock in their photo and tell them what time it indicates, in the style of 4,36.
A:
6,11
